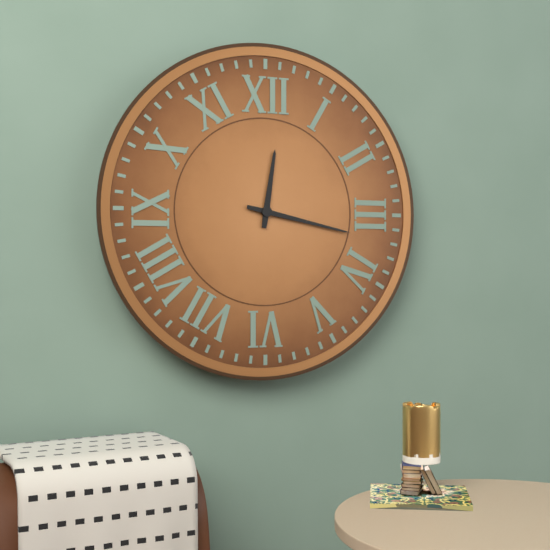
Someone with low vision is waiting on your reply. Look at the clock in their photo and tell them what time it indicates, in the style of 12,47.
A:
12,17
